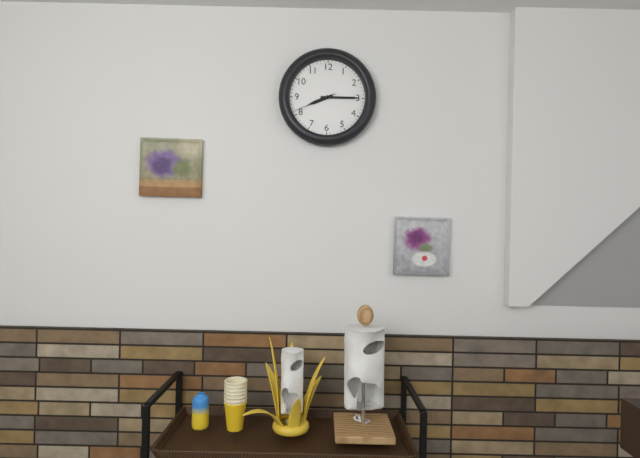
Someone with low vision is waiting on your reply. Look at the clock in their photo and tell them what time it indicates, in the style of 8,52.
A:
8,15
